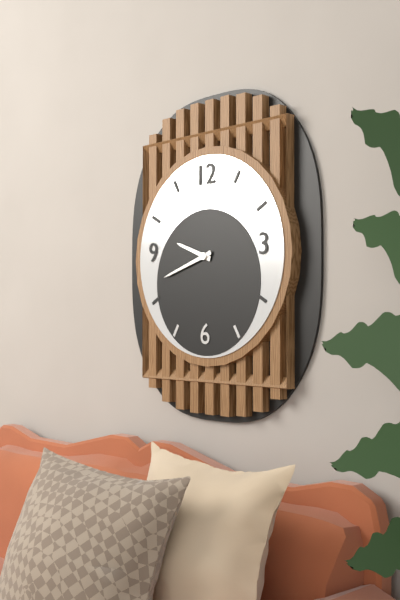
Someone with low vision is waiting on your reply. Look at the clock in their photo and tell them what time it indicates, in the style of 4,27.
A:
9,42
